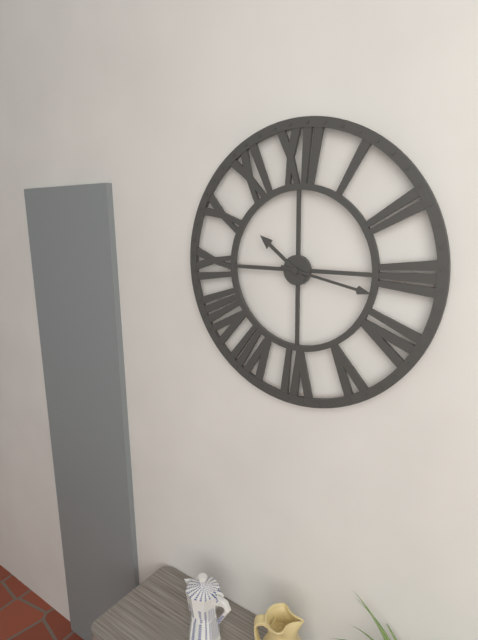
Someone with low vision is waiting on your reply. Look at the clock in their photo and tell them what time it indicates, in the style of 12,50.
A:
10,17
